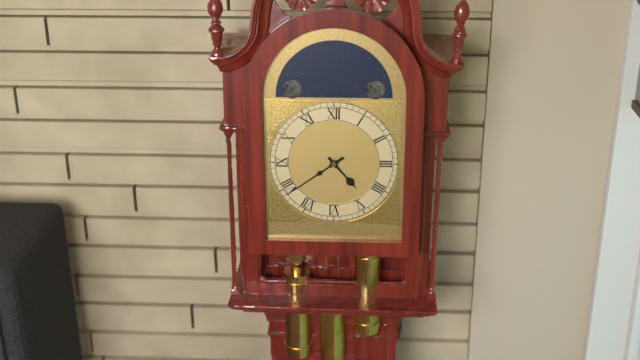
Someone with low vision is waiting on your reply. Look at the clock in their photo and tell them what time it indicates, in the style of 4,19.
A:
4,39
